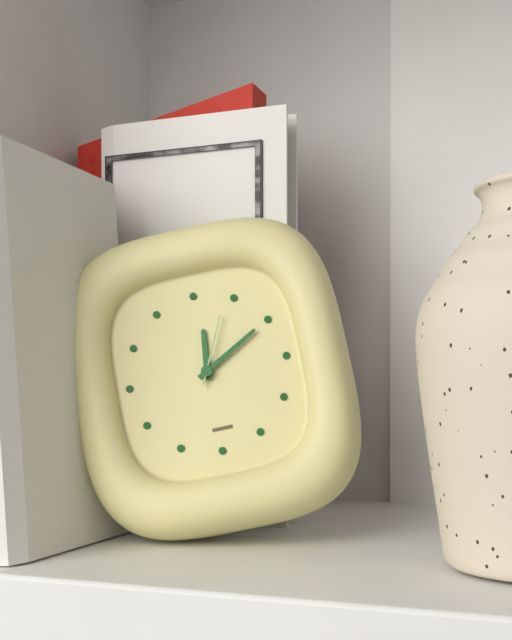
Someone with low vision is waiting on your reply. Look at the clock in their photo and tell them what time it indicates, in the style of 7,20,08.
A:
12,10,04
